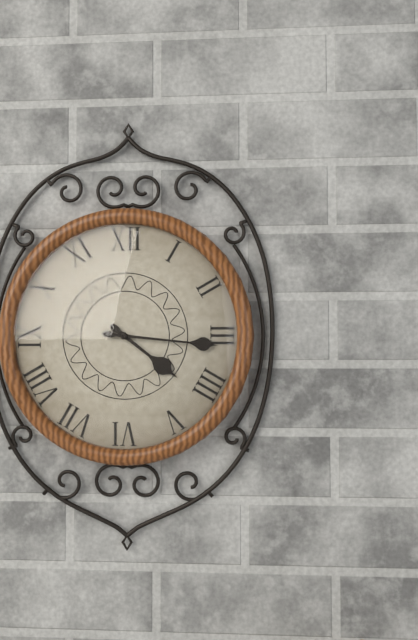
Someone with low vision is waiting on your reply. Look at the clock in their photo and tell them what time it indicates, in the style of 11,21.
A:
4,16
